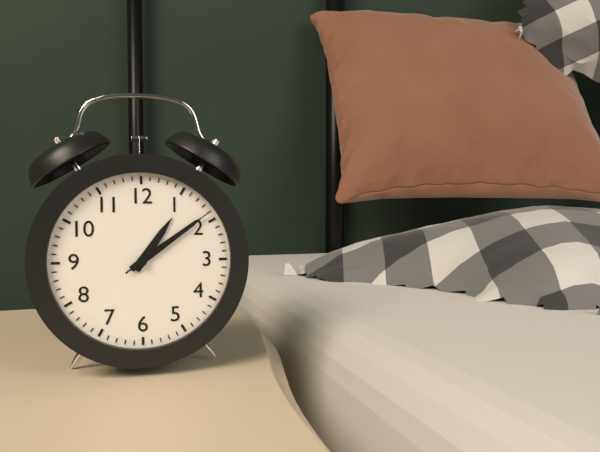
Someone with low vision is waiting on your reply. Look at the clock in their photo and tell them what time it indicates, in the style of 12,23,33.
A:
1,09,09
